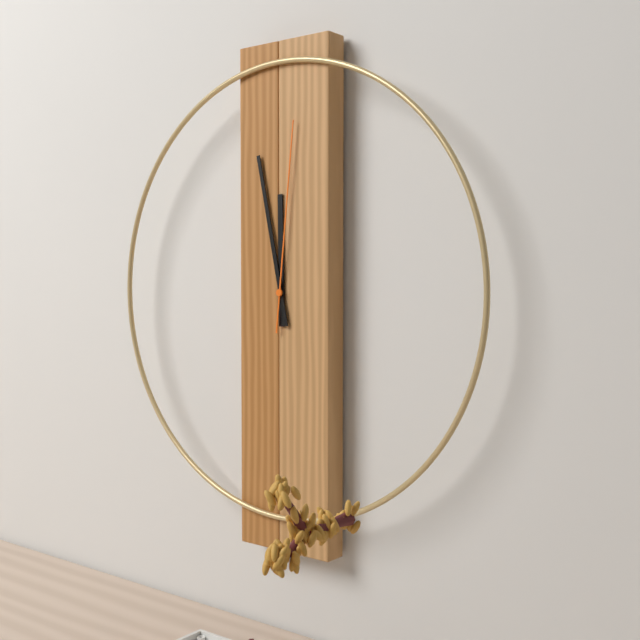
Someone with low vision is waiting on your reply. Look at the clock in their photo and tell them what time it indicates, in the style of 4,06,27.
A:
11,58,01
